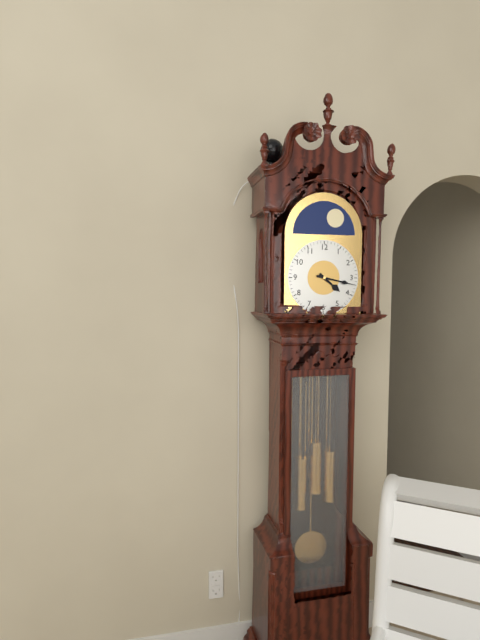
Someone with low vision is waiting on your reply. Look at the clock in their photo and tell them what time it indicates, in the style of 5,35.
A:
4,17
